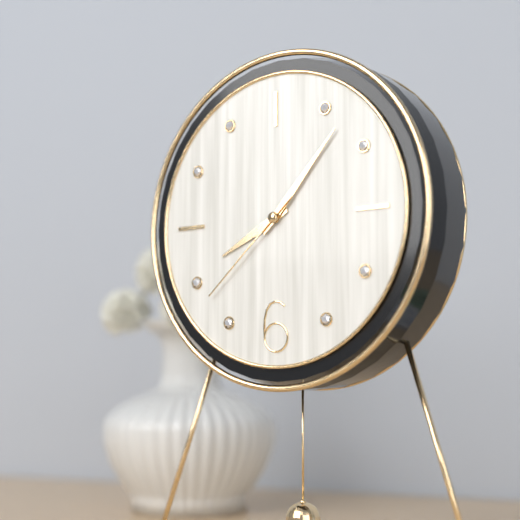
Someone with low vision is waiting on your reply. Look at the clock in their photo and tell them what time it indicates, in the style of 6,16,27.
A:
8,07,38
